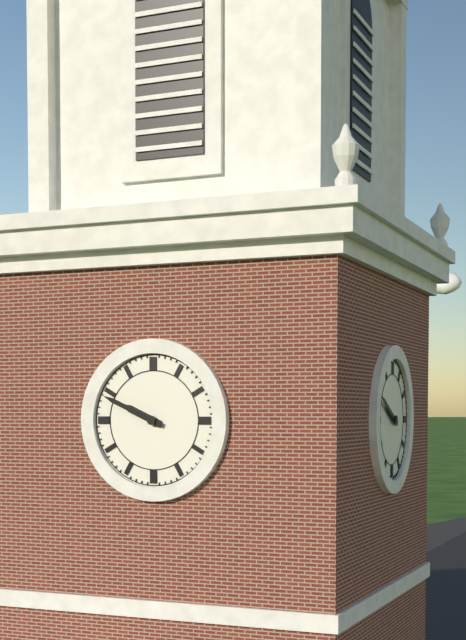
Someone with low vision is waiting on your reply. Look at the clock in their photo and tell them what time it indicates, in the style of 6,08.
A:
9,49
